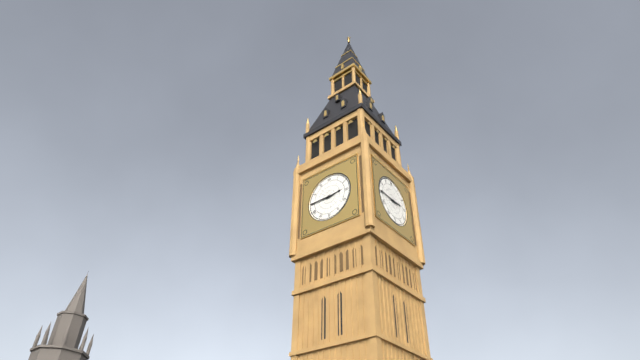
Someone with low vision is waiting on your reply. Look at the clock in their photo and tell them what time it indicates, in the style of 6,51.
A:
2,45
